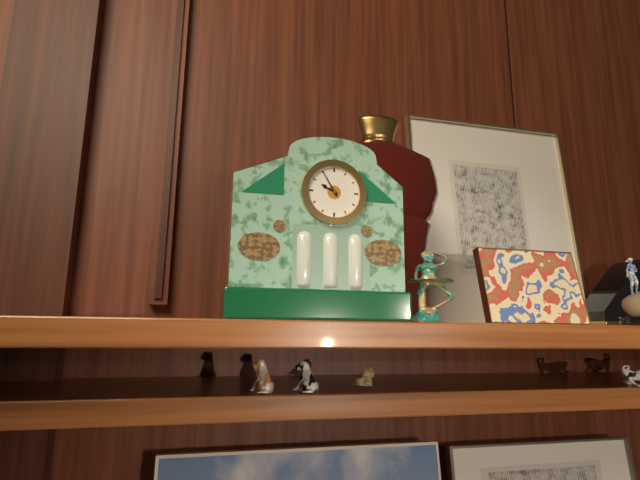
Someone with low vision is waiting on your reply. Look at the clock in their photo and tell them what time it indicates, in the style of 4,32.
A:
9,55
